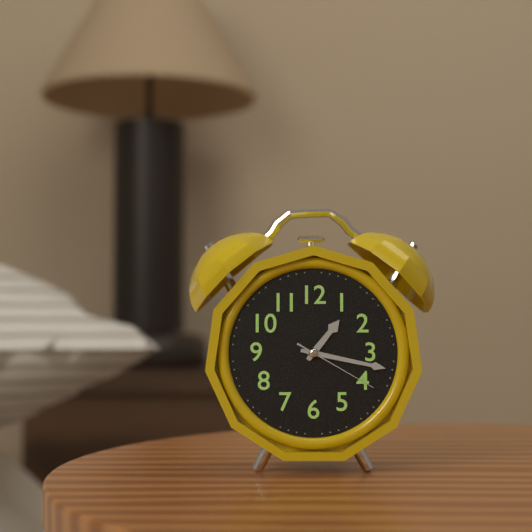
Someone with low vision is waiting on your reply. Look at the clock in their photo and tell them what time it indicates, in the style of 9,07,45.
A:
1,17,20
